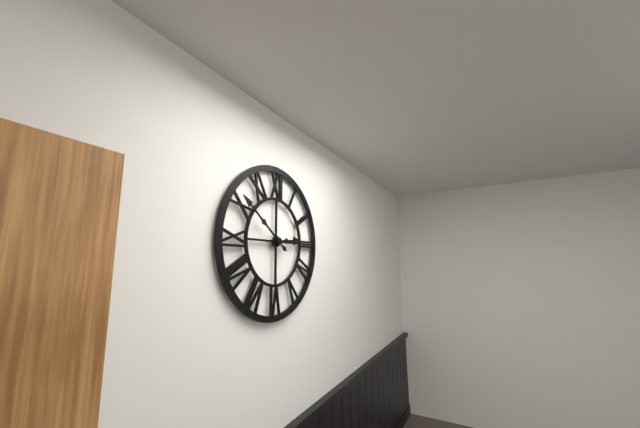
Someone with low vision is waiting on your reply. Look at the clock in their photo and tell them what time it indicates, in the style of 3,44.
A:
2,51
